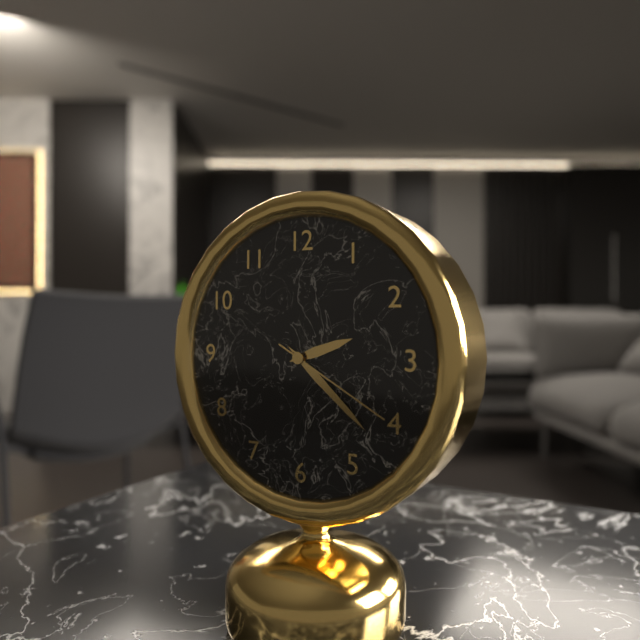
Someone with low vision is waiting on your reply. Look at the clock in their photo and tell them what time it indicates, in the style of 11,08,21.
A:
2,22,20
